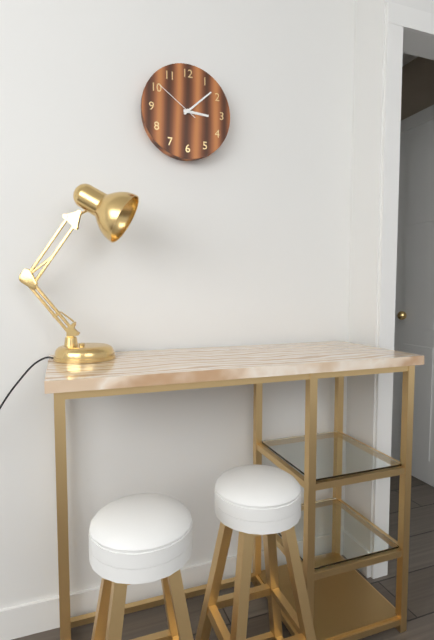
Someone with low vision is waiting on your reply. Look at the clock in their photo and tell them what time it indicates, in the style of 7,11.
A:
3,08
